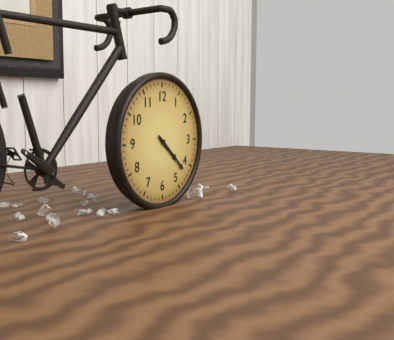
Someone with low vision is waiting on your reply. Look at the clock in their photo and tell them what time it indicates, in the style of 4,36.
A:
4,22
